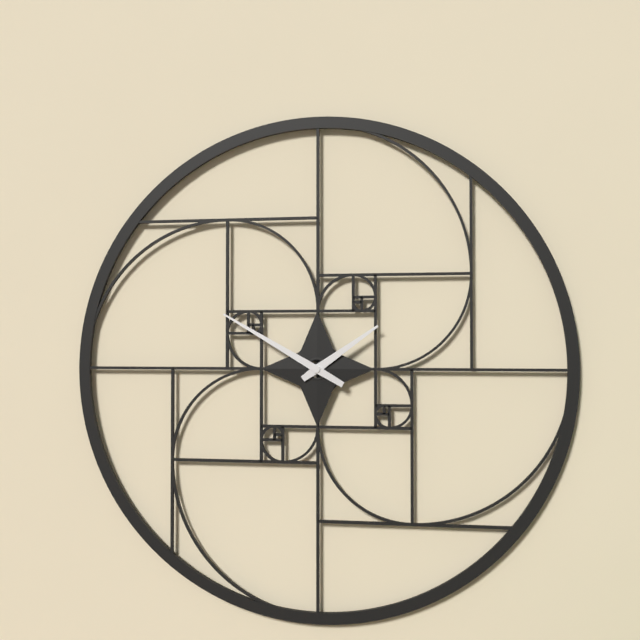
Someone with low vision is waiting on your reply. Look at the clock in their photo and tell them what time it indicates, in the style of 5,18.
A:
1,50
